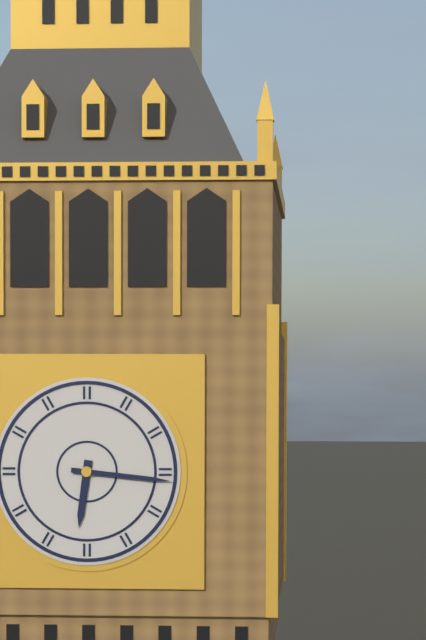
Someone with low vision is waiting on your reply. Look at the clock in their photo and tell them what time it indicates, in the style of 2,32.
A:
6,16
